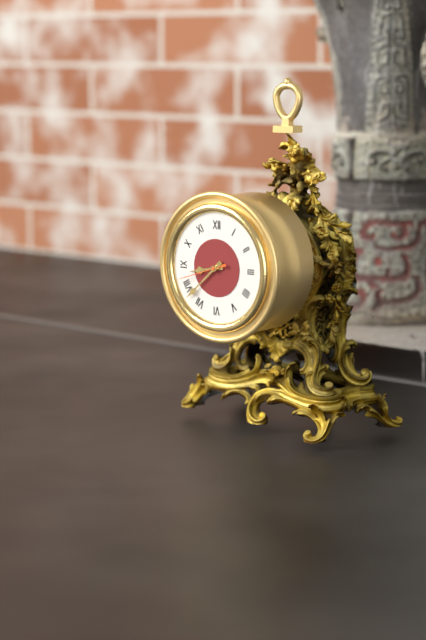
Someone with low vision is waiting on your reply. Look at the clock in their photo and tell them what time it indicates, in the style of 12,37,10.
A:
8,38,42
